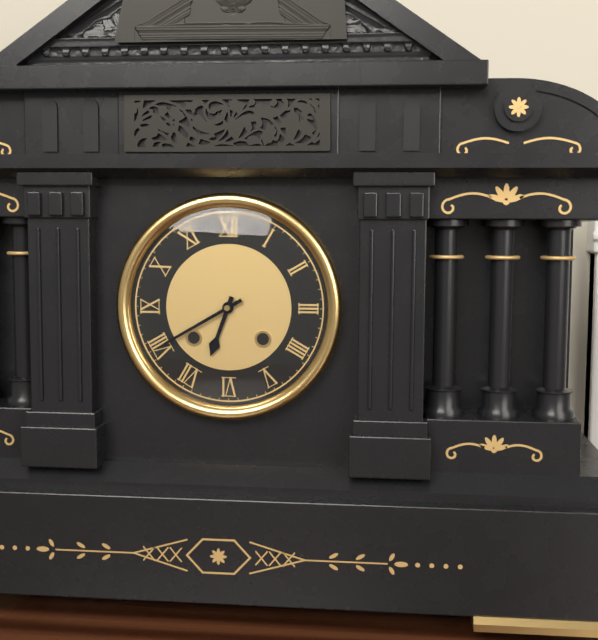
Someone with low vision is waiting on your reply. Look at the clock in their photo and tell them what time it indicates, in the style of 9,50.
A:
6,40
